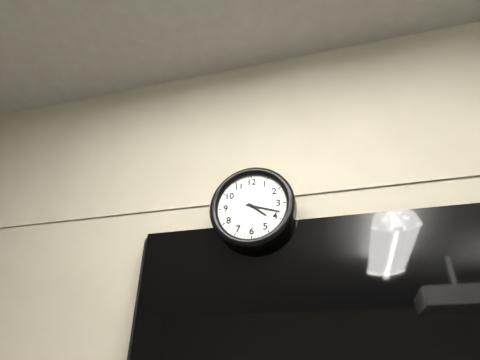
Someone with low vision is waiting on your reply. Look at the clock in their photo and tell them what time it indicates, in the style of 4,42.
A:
4,18
